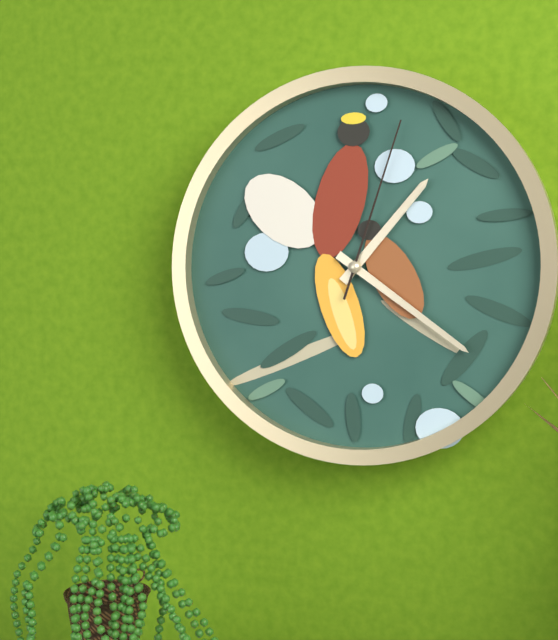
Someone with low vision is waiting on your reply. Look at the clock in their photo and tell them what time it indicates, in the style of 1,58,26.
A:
1,21,03
